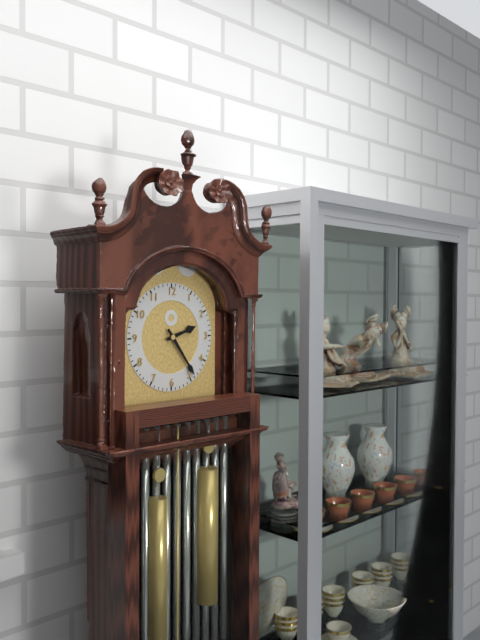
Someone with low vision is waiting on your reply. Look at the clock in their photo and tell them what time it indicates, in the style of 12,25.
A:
2,24
